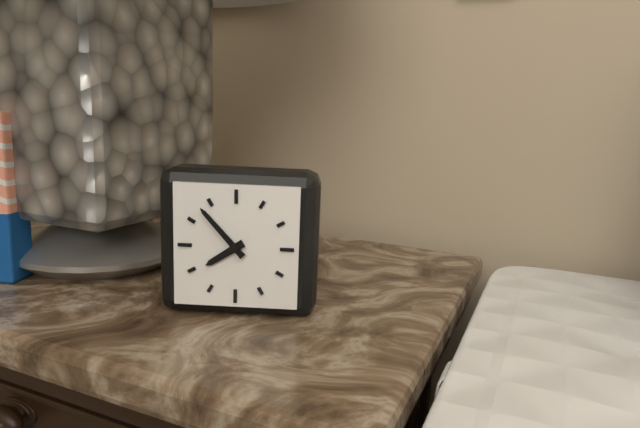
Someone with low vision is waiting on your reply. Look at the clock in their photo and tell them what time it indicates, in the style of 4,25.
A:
7,53
